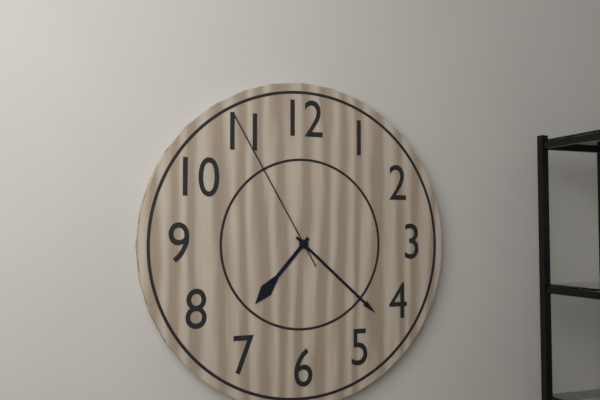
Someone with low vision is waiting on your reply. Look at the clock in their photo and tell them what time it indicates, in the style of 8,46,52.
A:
7,22,55
